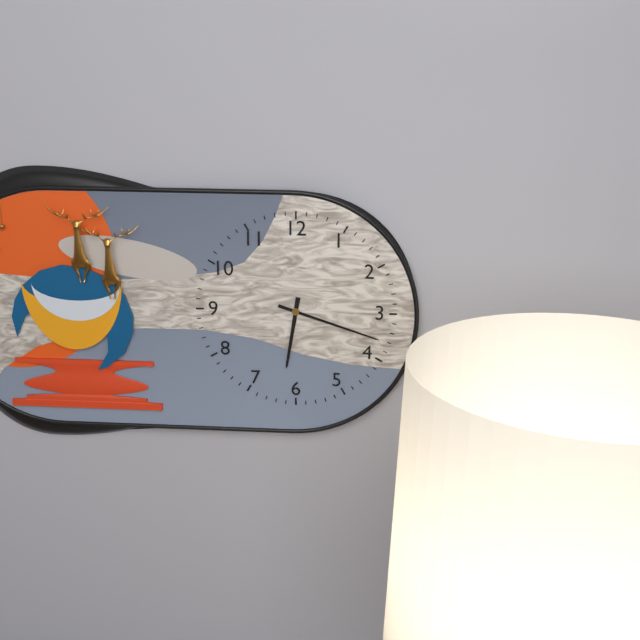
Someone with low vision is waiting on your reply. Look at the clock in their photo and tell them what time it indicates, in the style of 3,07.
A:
6,18
